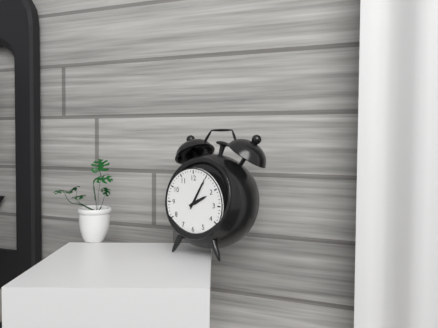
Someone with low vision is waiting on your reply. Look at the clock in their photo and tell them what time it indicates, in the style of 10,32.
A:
2,05
